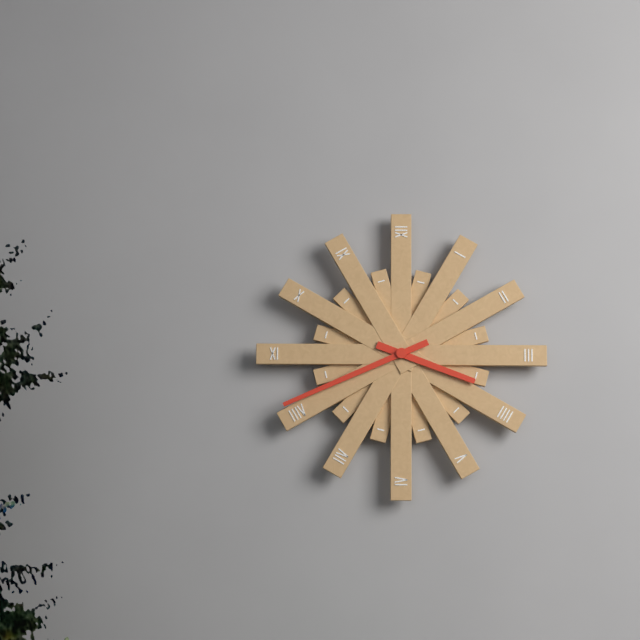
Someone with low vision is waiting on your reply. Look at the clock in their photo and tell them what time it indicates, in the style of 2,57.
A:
3,41
